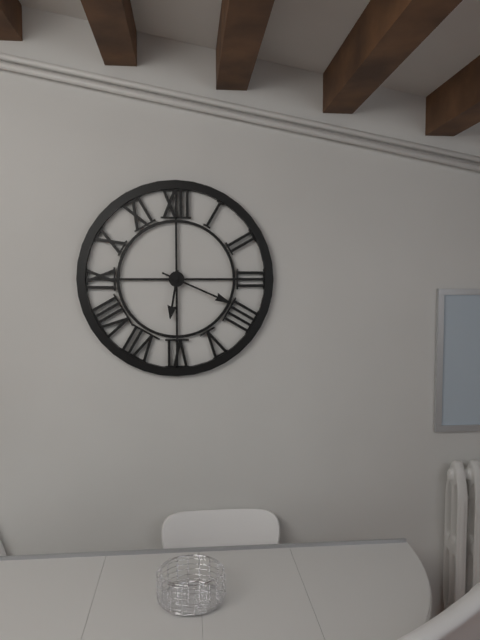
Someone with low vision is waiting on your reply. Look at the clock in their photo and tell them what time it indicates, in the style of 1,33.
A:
6,19
